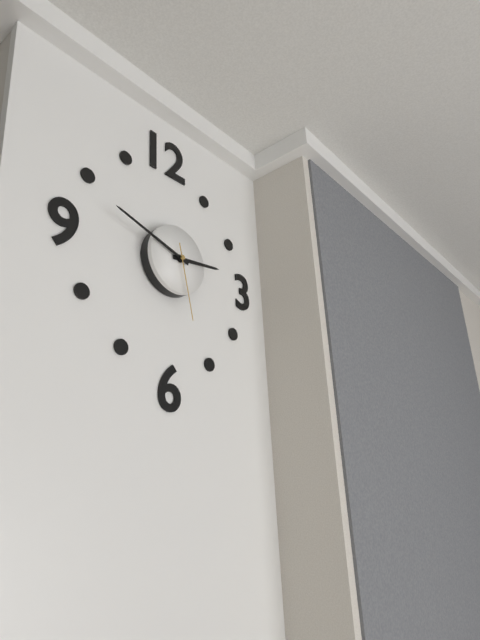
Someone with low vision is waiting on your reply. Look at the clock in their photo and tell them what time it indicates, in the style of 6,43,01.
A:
2,48,28
